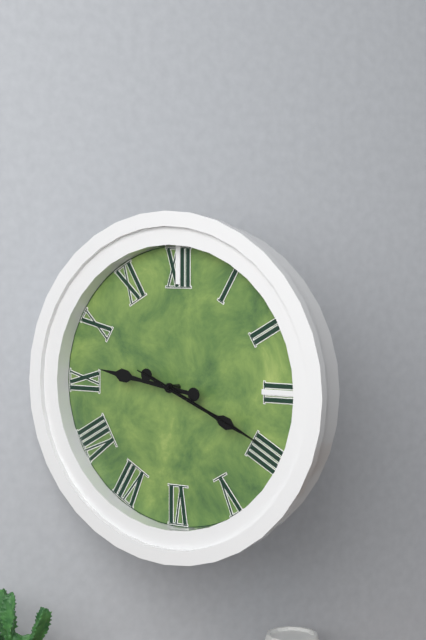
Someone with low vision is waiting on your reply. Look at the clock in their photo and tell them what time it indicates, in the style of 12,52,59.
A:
9,19,19
